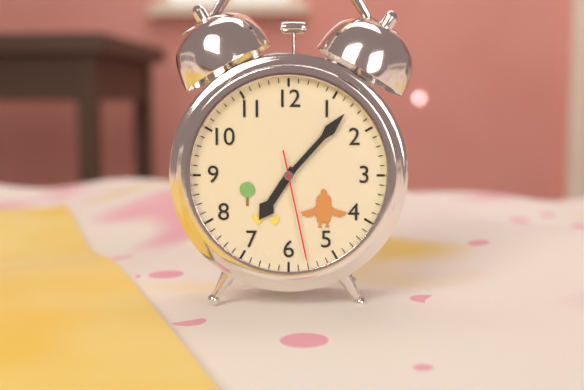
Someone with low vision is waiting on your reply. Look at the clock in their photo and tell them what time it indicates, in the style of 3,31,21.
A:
7,07,28
